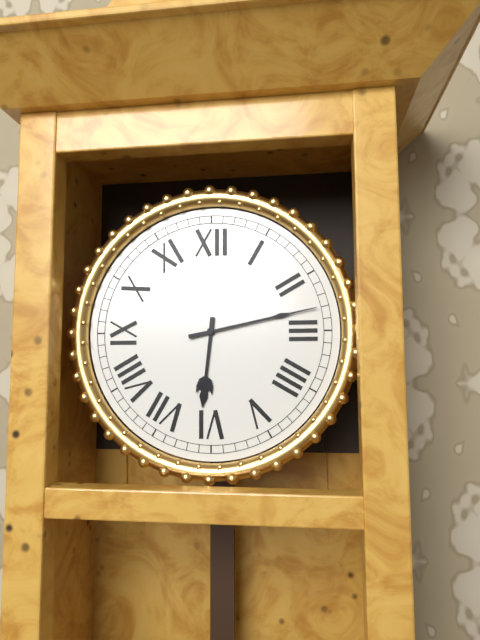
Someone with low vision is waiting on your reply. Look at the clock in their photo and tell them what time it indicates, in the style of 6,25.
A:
6,13
